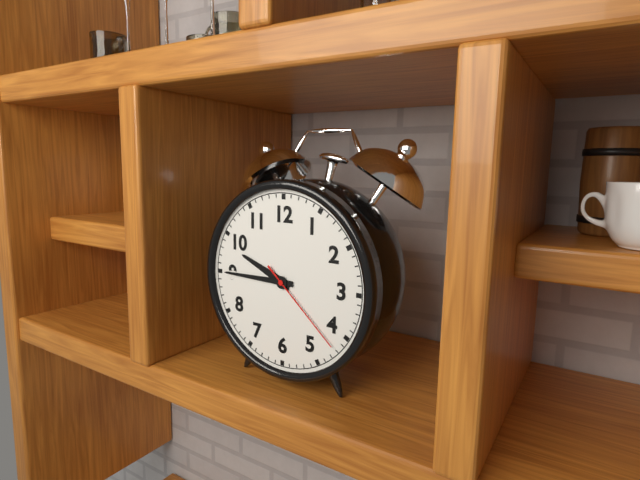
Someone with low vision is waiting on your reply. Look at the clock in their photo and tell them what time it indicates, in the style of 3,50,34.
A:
9,45,22
